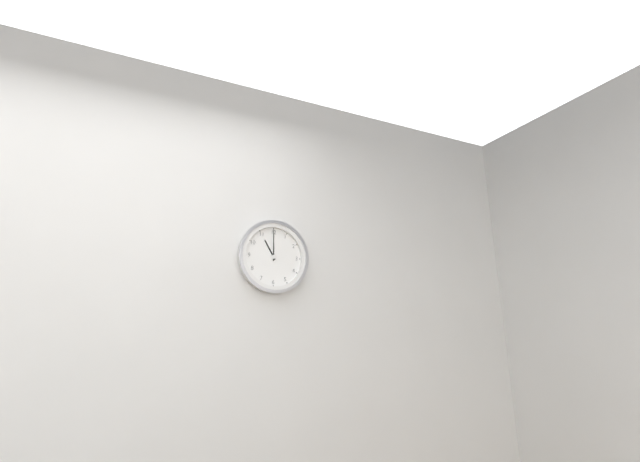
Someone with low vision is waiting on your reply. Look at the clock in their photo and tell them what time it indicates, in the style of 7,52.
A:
11,00
